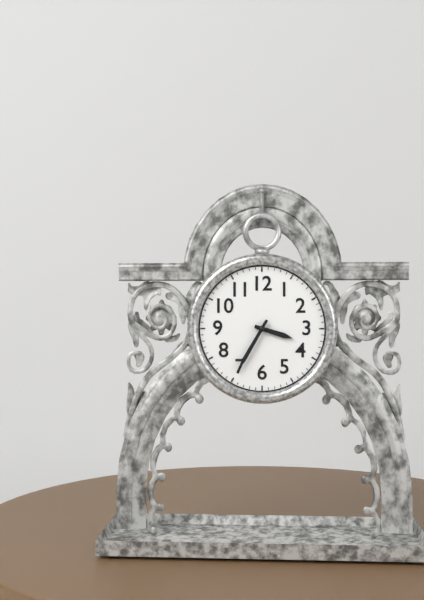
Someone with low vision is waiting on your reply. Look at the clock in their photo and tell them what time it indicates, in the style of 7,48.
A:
3,35
